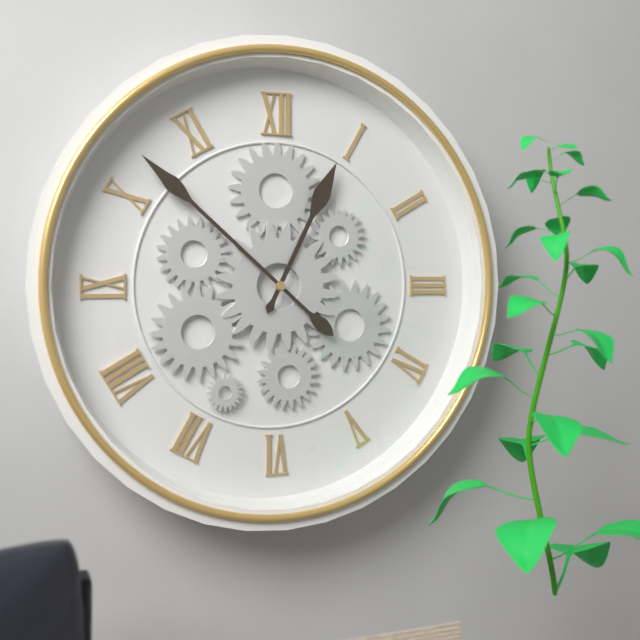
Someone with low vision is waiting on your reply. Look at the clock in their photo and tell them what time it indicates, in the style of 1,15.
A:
12,52
